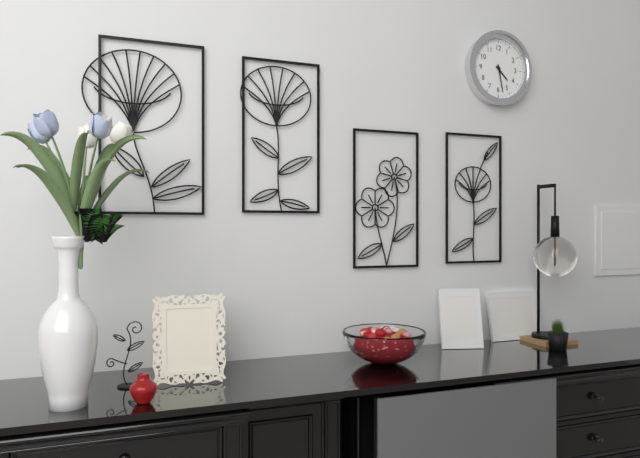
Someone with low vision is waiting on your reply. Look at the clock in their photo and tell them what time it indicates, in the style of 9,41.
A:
4,28
